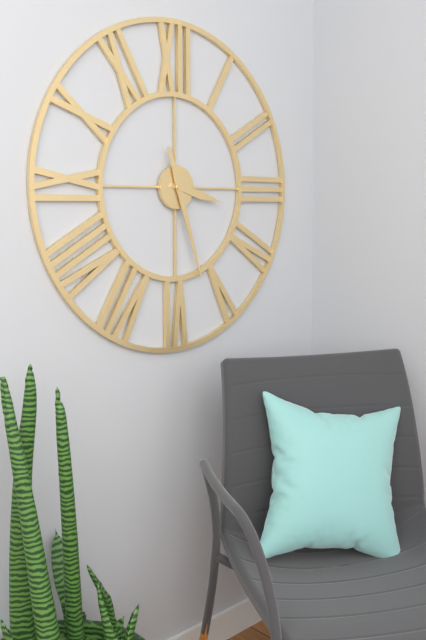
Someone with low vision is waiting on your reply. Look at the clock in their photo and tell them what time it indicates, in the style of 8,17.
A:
3,27
